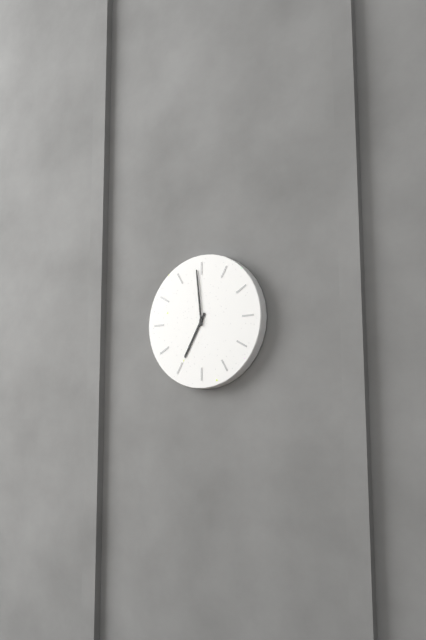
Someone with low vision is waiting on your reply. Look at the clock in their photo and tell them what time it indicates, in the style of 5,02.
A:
6,59
